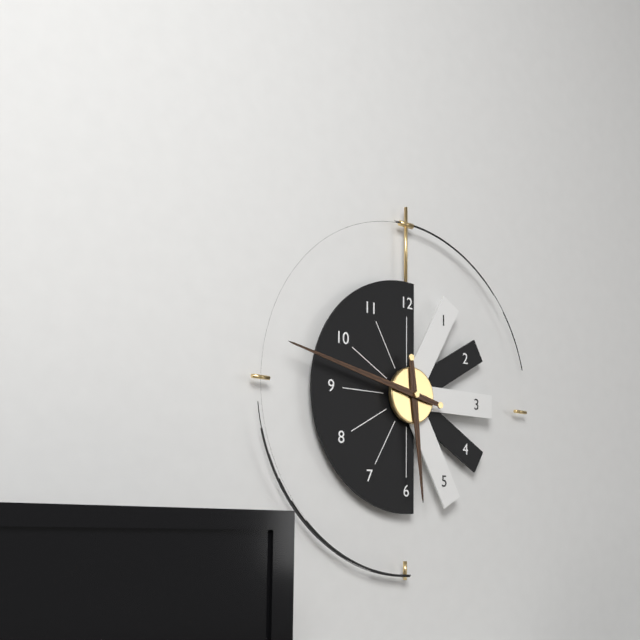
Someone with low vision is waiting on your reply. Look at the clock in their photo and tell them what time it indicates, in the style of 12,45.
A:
5,47
